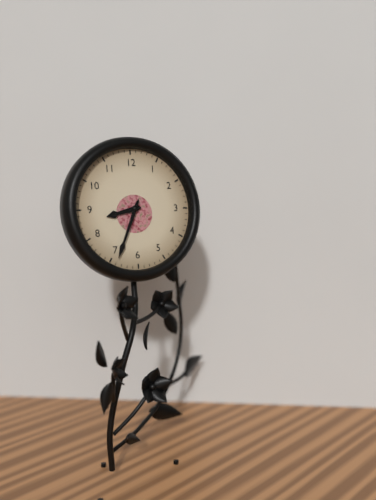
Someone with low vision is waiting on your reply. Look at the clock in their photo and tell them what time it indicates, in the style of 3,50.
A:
8,34
